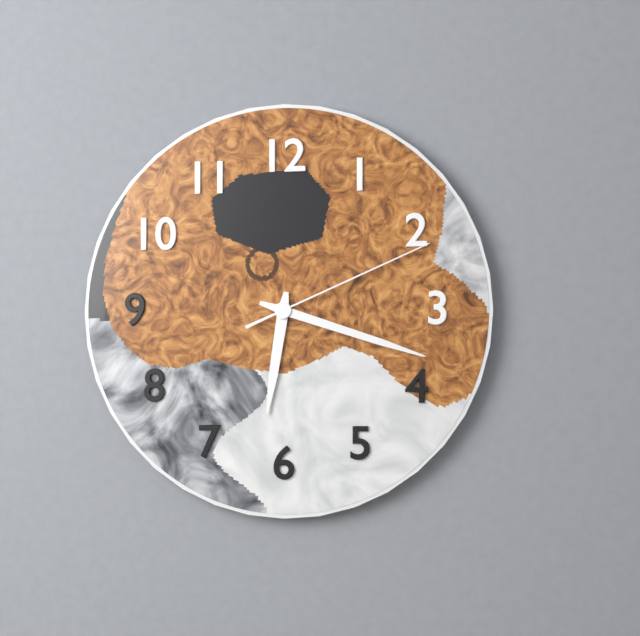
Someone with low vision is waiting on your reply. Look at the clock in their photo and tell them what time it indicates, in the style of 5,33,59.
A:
6,18,11
